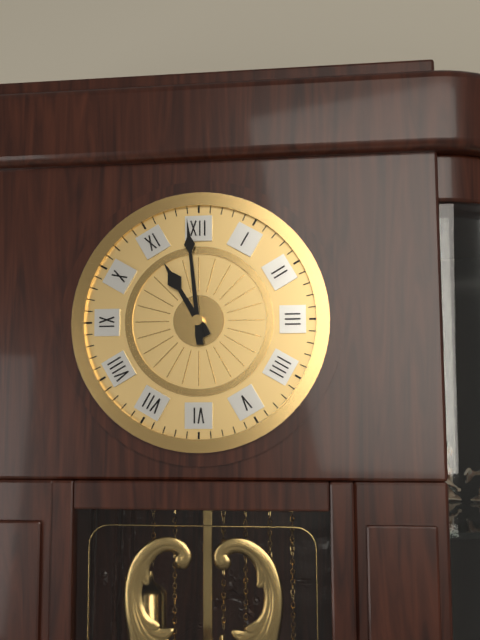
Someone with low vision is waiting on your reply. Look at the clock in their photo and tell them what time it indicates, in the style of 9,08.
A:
10,59
